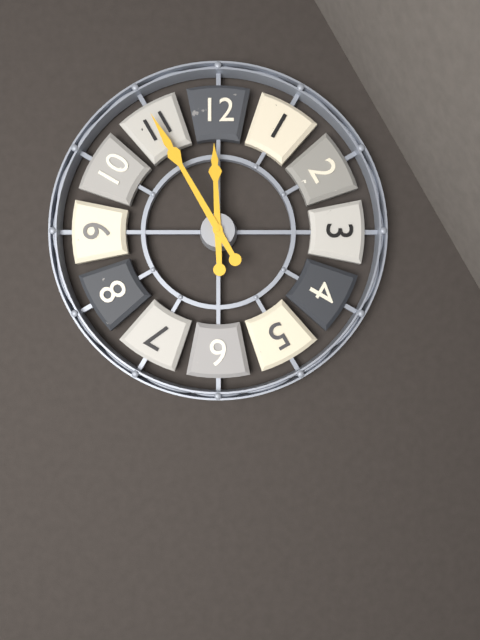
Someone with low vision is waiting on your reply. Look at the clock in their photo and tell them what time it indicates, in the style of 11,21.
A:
11,55
